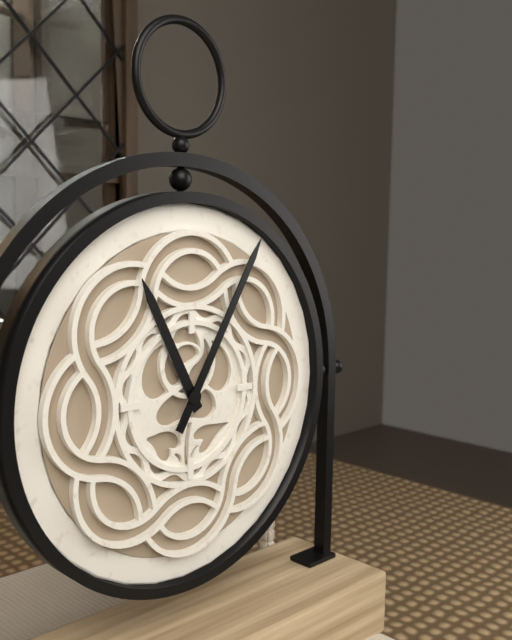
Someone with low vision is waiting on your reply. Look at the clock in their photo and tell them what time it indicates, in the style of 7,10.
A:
11,05
